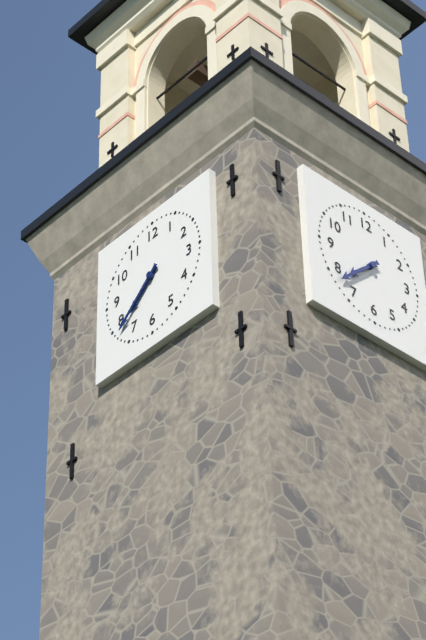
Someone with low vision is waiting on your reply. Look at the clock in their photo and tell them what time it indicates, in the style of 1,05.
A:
7,38
